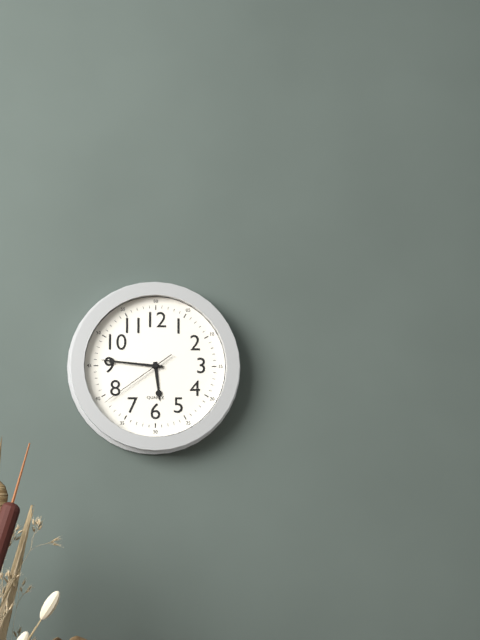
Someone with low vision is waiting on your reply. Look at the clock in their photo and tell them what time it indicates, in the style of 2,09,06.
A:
5,46,39
